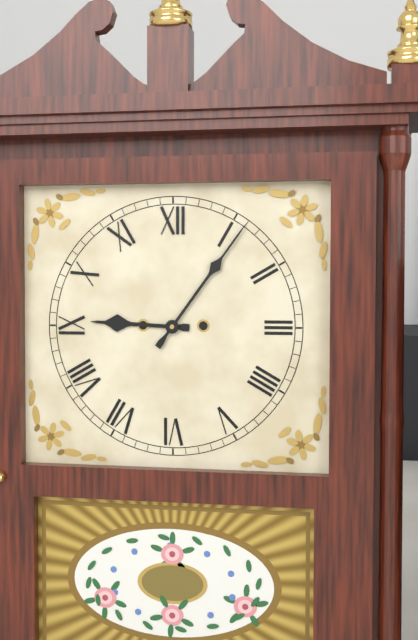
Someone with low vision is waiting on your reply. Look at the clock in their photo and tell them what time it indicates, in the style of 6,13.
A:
9,06
